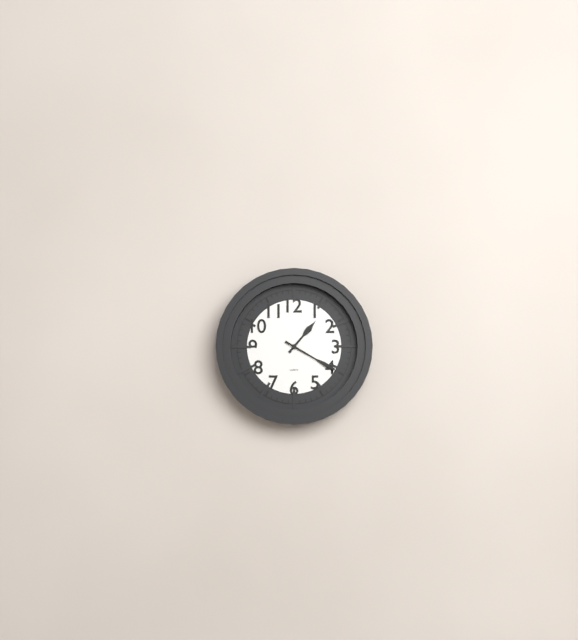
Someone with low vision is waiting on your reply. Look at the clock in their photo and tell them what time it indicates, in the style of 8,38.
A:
1,20
